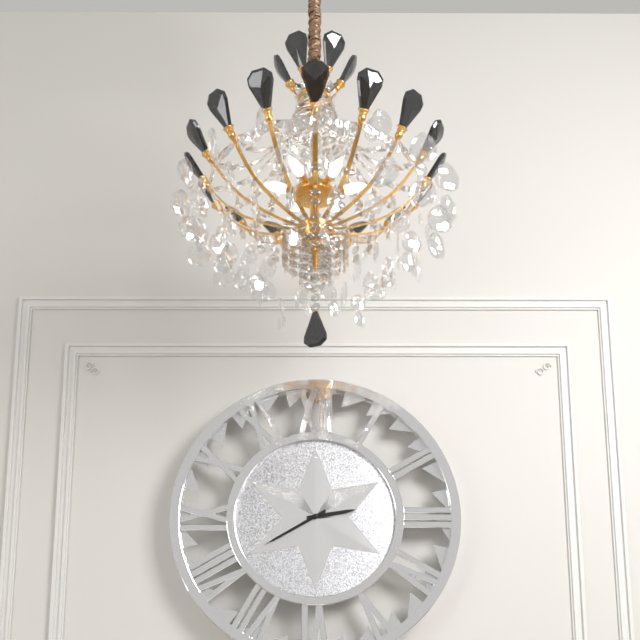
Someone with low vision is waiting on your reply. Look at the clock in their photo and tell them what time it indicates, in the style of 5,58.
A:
2,40
